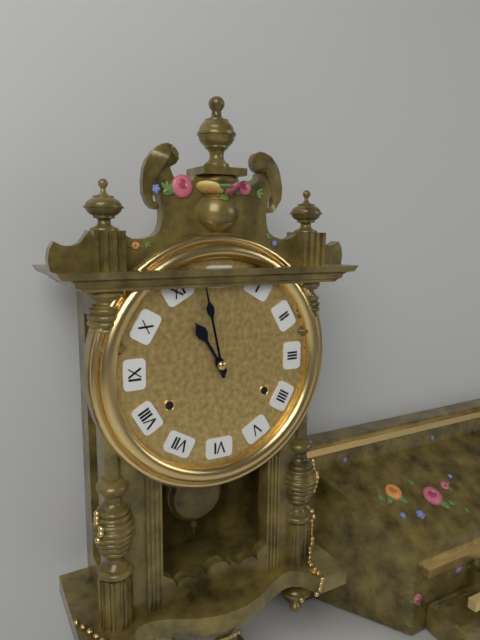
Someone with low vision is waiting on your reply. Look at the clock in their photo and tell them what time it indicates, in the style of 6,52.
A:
10,58
